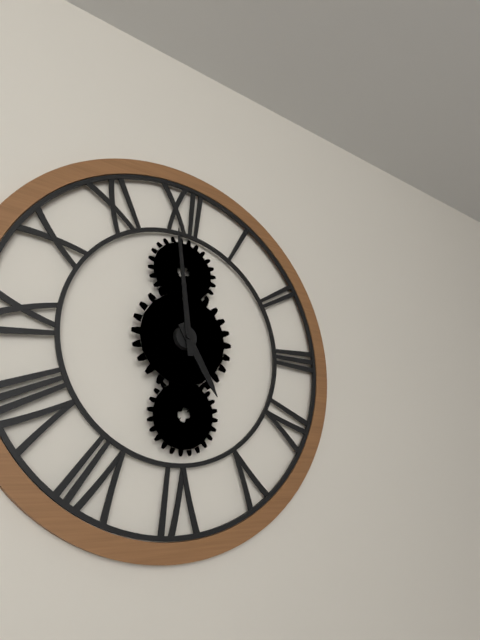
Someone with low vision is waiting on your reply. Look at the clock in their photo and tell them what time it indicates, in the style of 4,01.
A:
4,59
